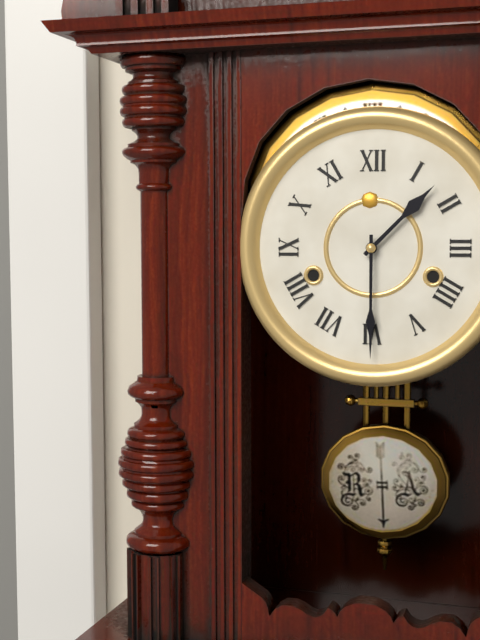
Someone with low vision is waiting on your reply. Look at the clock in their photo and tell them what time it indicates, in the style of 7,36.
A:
1,30
